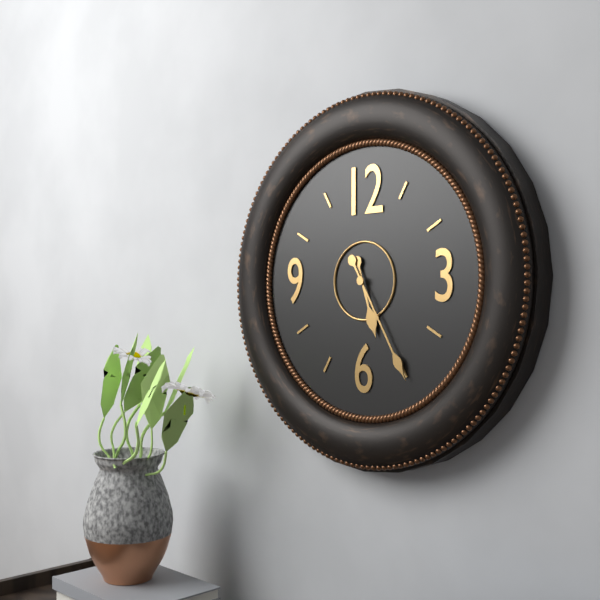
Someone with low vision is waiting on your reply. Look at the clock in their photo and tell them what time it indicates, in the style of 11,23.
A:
5,25
